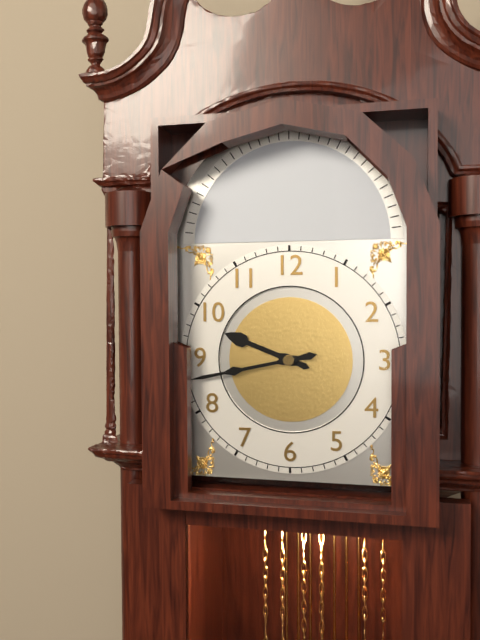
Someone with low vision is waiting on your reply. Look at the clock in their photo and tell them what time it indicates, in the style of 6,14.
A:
9,43
